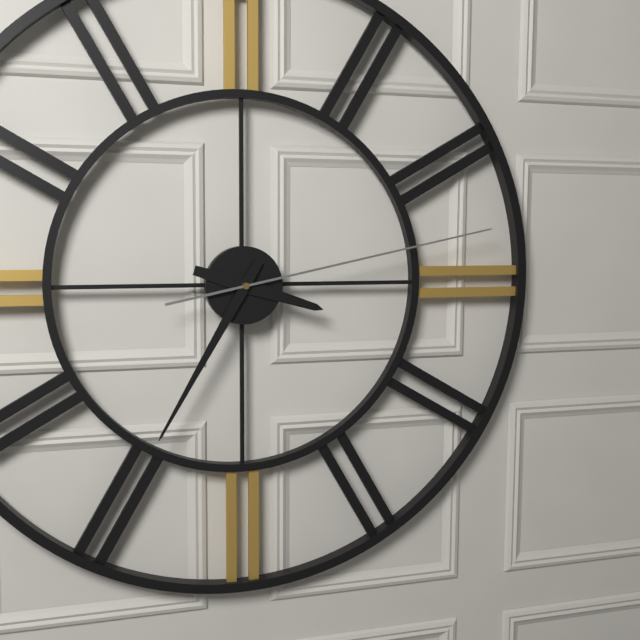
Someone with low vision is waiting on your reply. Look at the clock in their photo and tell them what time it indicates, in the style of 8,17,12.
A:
3,35,13
